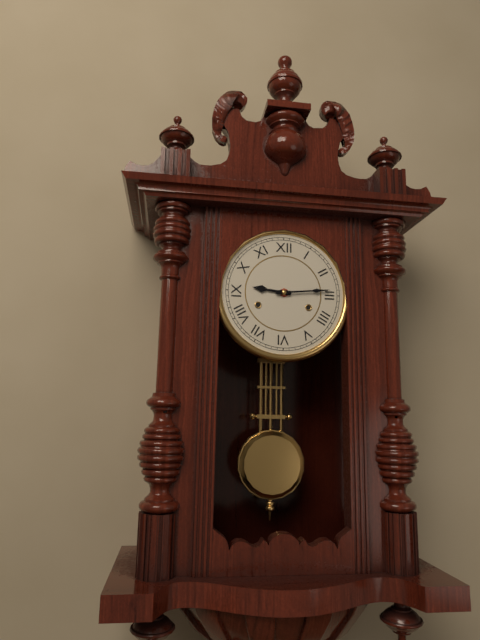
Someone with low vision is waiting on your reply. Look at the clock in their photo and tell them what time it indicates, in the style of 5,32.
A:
9,14
